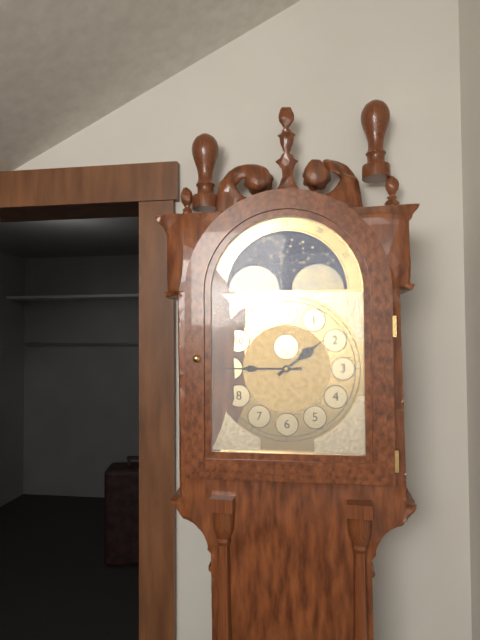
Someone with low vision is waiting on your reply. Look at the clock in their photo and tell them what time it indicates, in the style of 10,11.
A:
1,45
